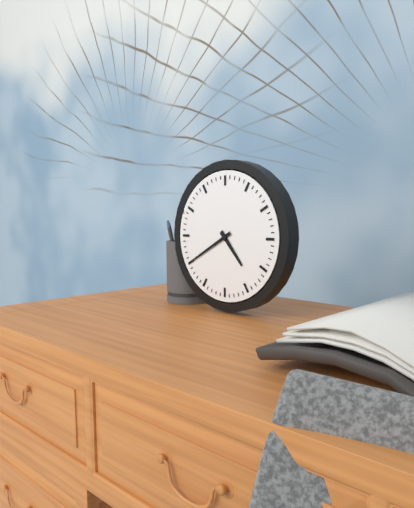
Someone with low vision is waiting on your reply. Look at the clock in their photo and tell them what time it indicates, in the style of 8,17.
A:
4,40
